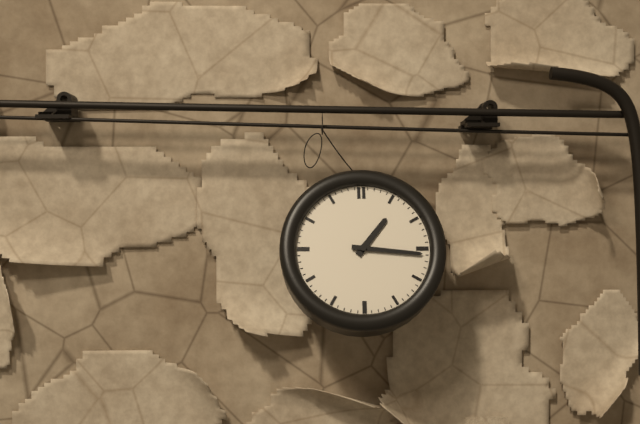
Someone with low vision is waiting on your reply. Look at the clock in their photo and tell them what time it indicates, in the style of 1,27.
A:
1,16
